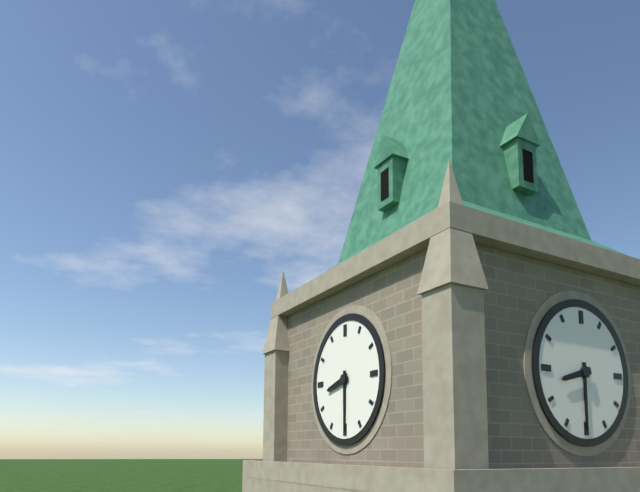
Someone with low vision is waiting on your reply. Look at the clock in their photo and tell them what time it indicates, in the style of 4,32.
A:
8,30
